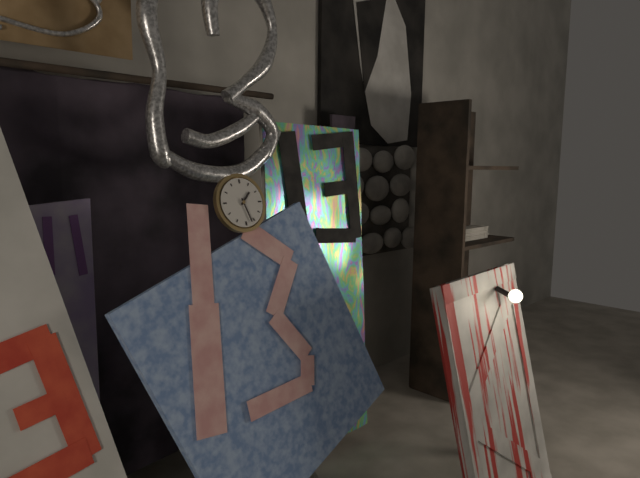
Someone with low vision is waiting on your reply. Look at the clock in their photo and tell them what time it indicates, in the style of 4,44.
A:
1,27
